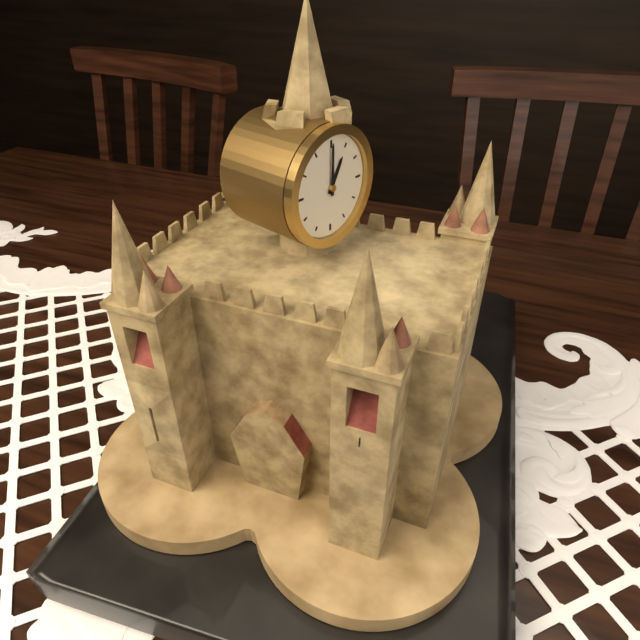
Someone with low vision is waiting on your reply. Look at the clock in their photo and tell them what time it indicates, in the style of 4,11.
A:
1,00
